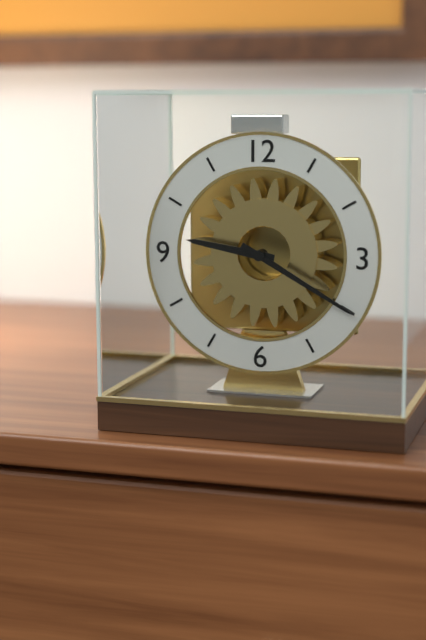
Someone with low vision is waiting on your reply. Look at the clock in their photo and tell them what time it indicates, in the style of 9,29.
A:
9,20
